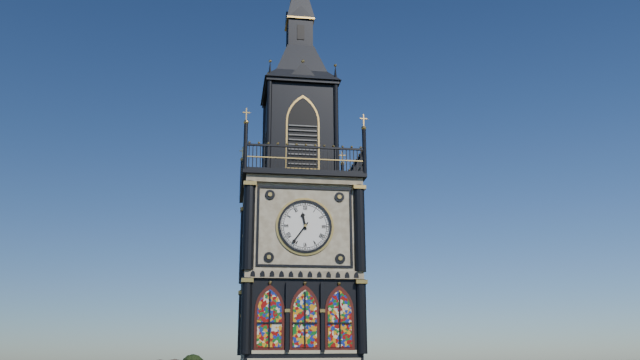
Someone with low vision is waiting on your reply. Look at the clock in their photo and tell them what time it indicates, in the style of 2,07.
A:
11,36
